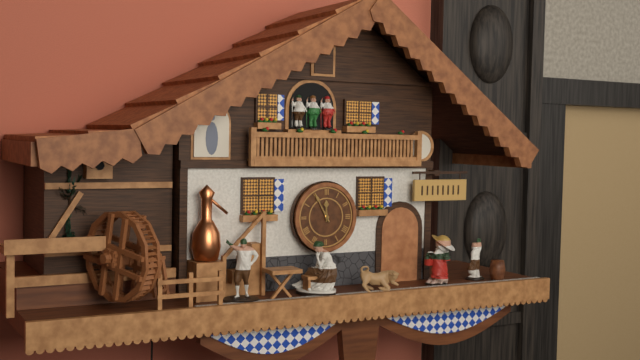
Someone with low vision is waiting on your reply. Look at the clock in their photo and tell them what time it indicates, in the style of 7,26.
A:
11,55
